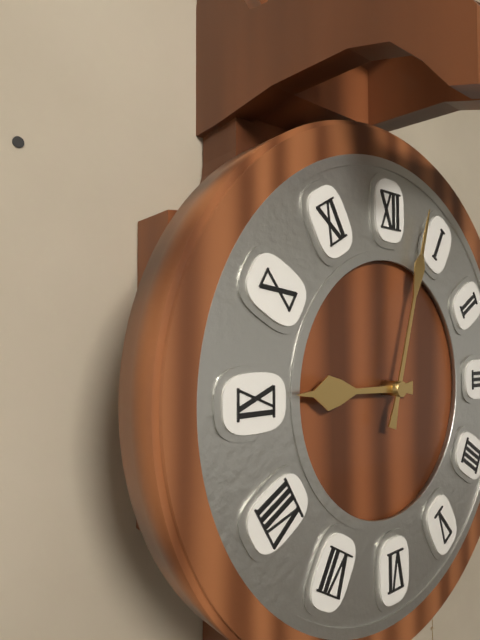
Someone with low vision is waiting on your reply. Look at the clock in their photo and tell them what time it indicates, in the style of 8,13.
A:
9,03
